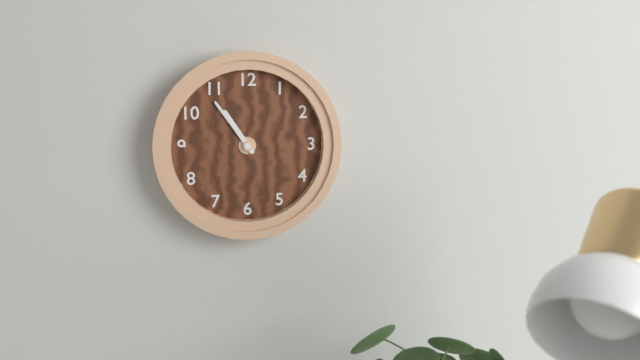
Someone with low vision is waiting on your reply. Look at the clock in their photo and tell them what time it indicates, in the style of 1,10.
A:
10,54
